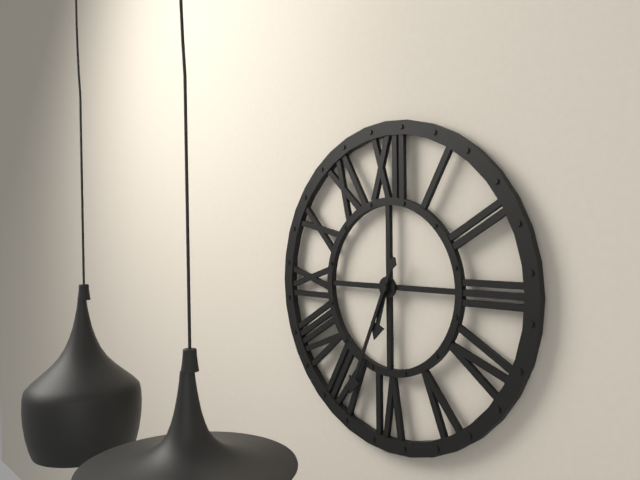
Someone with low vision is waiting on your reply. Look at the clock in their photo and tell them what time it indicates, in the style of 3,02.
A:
6,34
